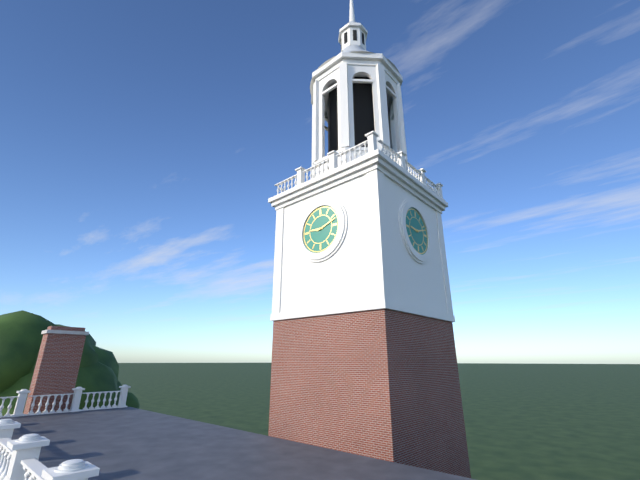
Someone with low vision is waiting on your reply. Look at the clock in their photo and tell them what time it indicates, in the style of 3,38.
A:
9,12
